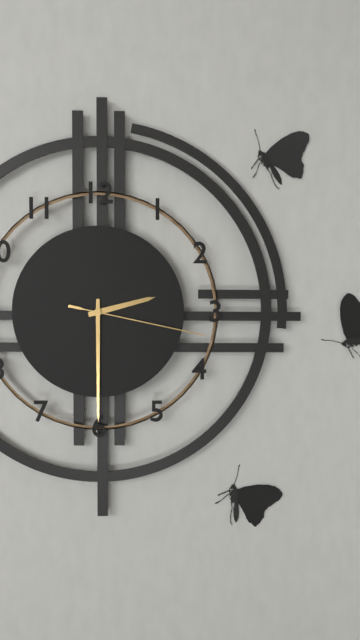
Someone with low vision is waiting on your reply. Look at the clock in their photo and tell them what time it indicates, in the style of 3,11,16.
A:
2,30,17
